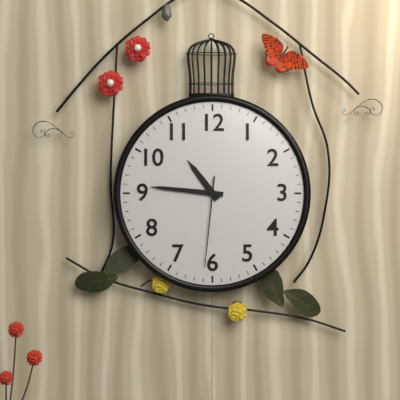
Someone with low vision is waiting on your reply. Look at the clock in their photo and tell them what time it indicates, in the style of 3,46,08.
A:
10,46,31
